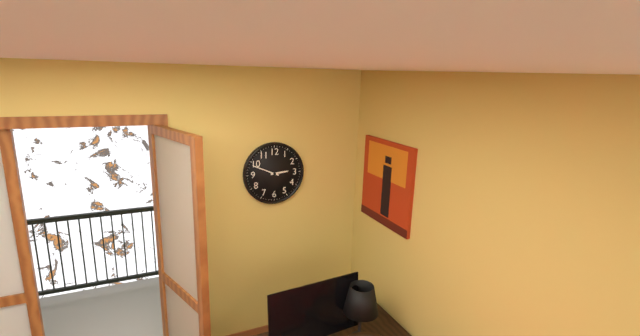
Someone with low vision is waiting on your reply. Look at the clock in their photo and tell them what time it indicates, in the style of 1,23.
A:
2,49
